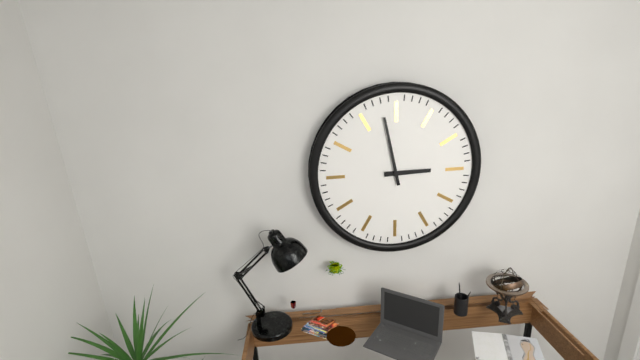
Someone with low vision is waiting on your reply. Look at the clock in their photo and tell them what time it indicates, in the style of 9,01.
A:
2,58
